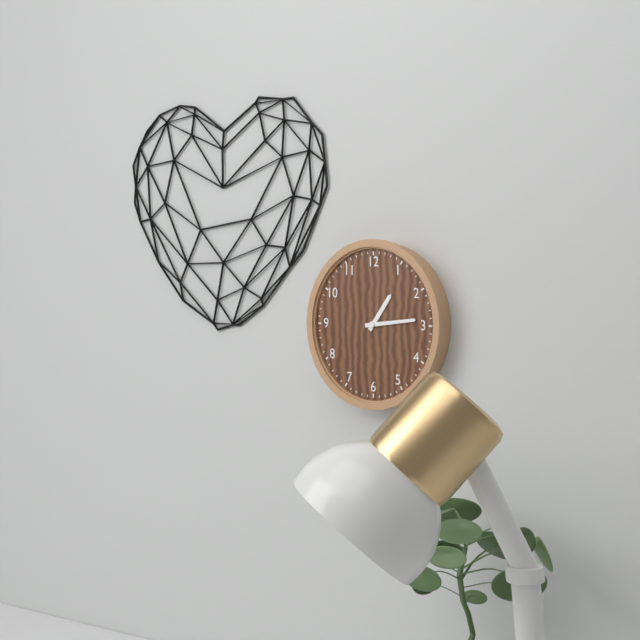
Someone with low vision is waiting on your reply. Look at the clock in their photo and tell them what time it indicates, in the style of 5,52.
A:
1,14
